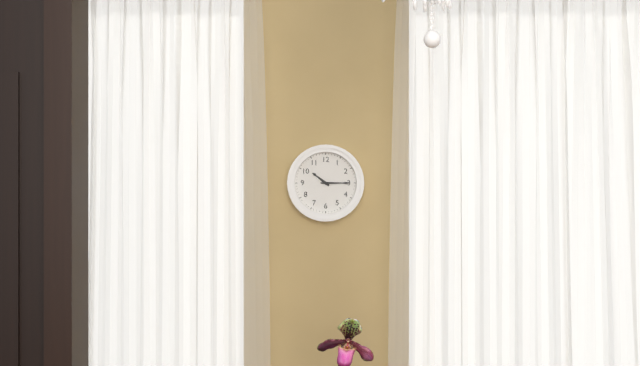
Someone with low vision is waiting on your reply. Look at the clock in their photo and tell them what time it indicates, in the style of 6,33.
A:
10,15
